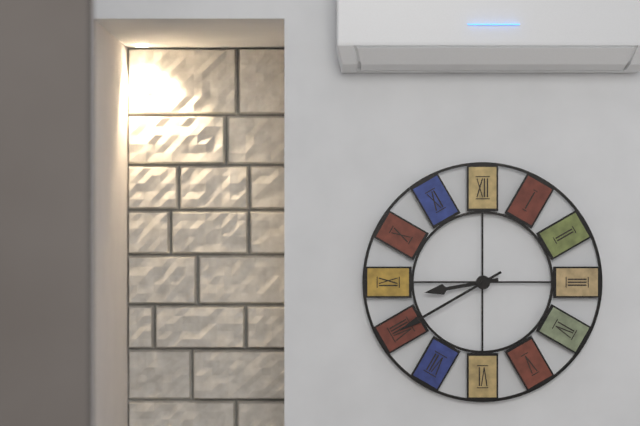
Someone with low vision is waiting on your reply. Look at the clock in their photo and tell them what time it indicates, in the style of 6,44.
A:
8,40
